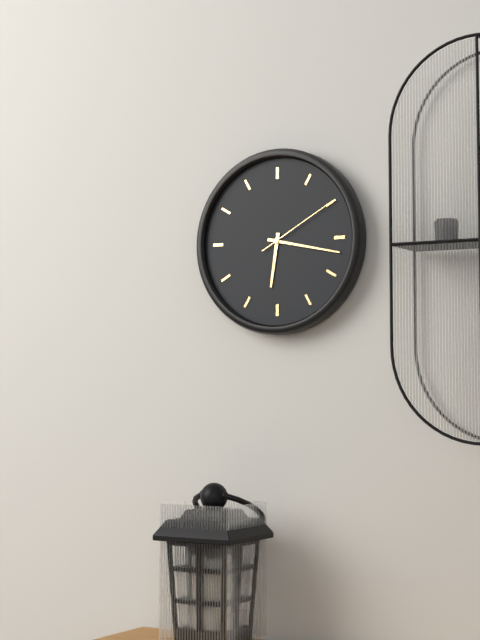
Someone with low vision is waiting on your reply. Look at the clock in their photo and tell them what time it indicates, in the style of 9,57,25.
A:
6,17,10
